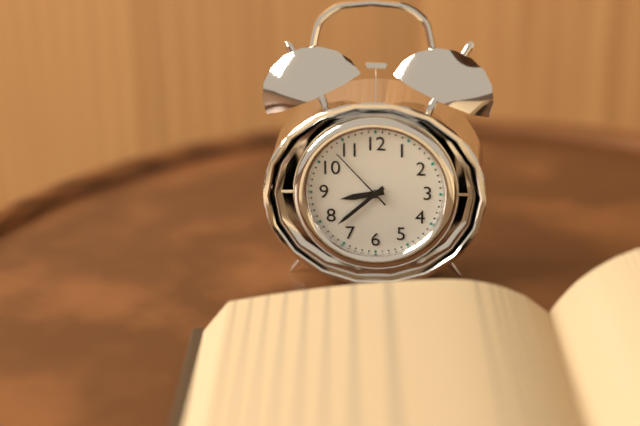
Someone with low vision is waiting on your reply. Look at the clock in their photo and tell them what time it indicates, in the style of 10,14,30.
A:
8,38,53
